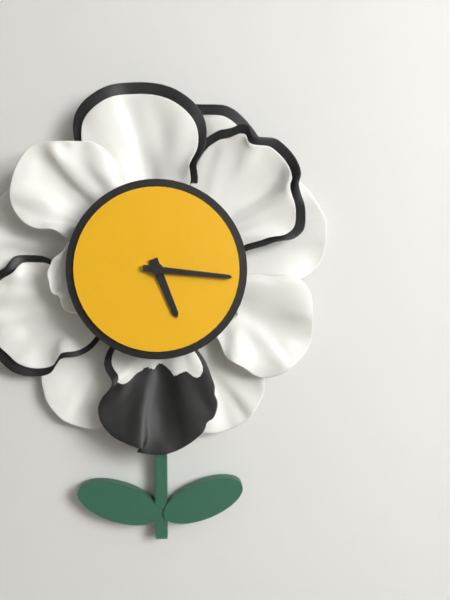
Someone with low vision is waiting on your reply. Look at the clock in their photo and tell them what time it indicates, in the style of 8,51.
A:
5,16
